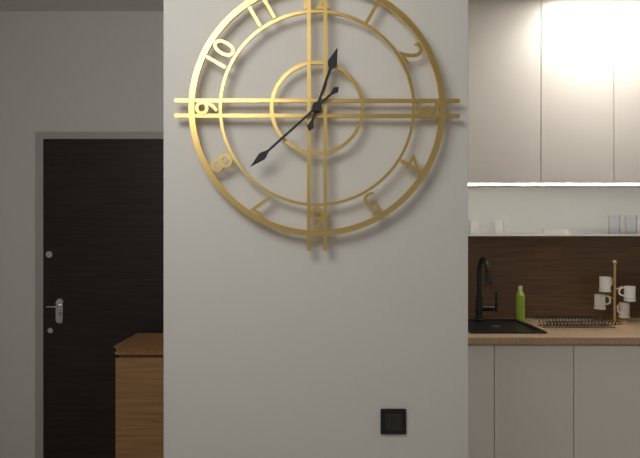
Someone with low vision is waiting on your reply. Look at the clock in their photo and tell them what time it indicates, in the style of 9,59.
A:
12,38
